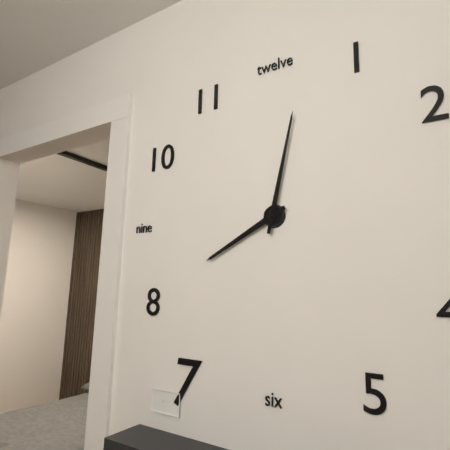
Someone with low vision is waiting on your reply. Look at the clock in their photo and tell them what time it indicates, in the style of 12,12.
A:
8,02
